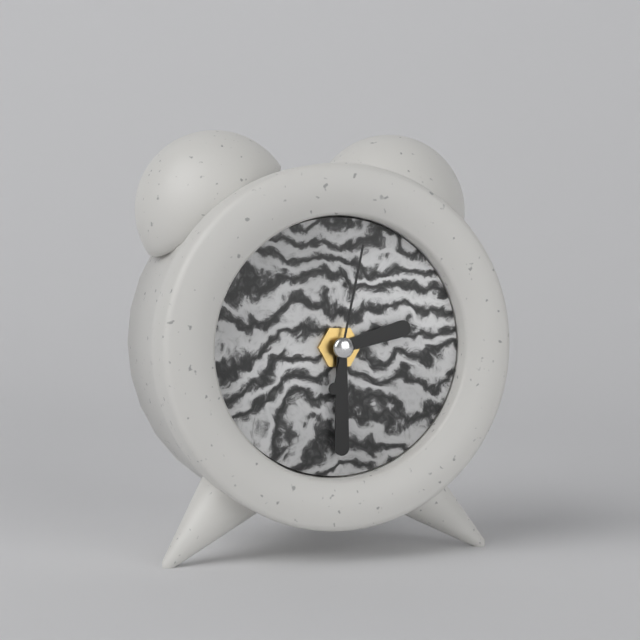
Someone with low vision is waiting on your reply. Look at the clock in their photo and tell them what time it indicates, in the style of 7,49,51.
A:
2,30,02
